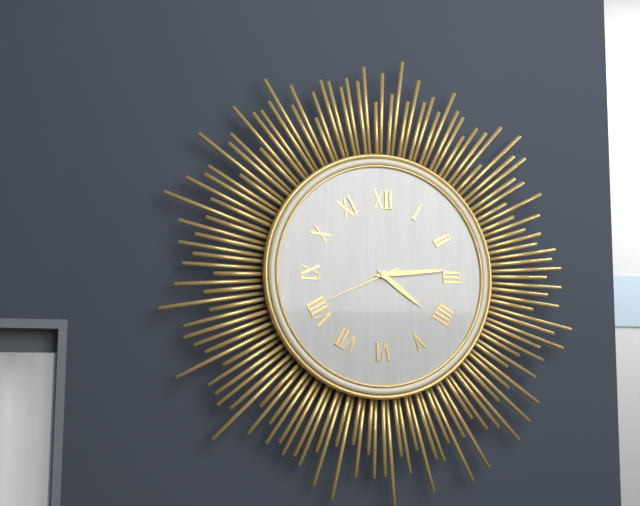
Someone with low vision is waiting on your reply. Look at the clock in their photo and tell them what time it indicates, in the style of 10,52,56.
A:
4,14,41
